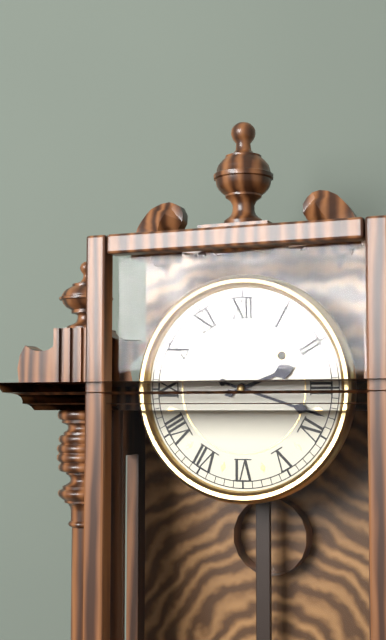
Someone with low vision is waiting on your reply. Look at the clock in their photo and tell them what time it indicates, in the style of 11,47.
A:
2,18
